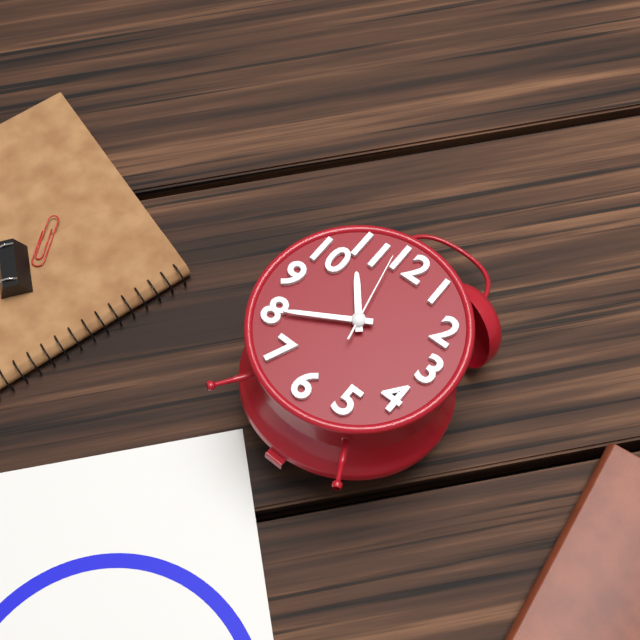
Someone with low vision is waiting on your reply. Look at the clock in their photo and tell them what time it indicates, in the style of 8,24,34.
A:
10,40,58
